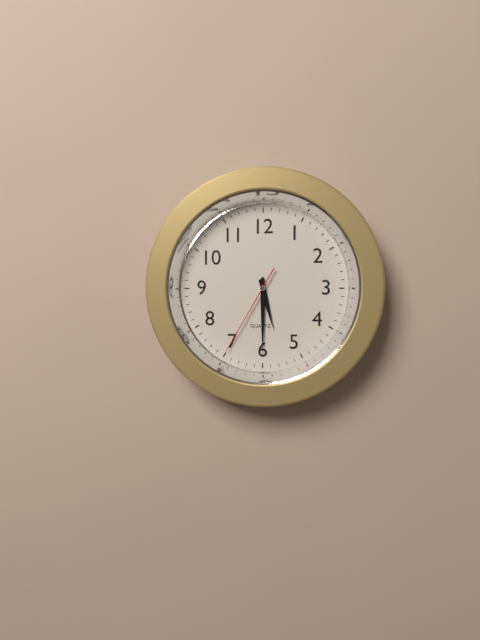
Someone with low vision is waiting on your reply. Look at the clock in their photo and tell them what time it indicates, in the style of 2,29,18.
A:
5,30,35
